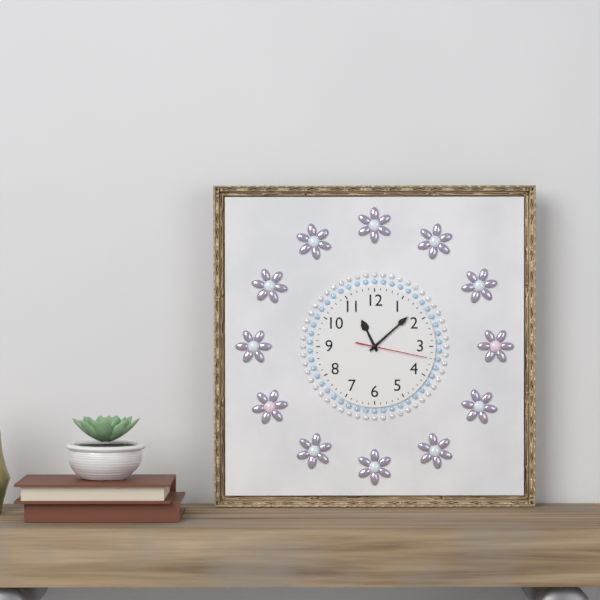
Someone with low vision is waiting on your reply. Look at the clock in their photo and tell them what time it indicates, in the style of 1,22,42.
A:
11,08,17
